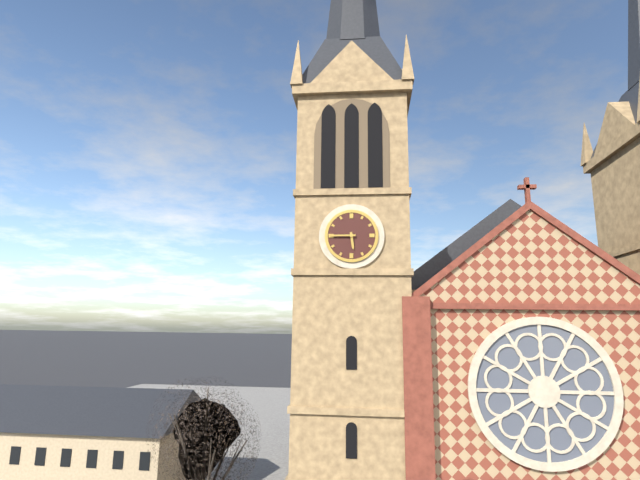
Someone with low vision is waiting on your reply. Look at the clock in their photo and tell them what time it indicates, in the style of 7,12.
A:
5,45
